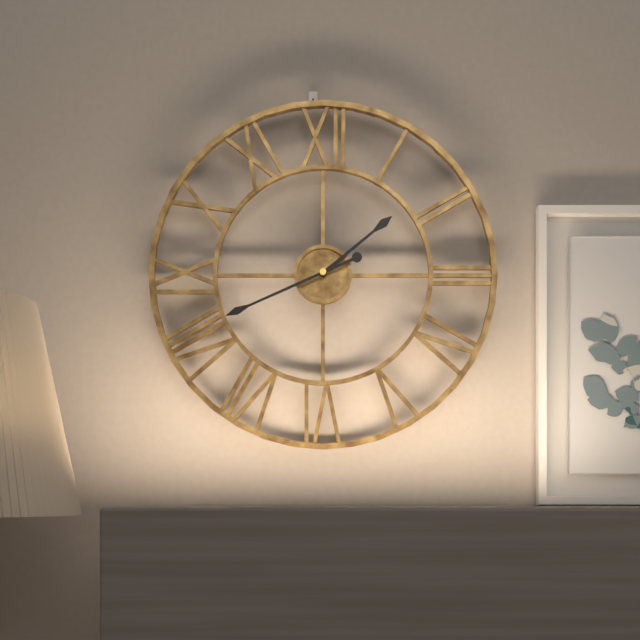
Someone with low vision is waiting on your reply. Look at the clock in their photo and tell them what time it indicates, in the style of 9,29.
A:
1,41
